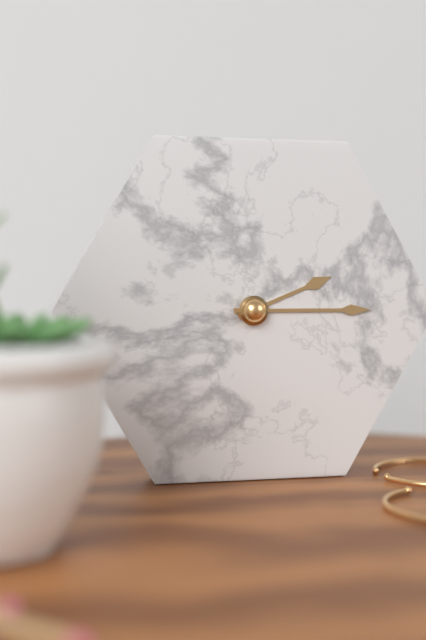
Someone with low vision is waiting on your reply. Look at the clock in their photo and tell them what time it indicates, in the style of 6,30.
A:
2,15
